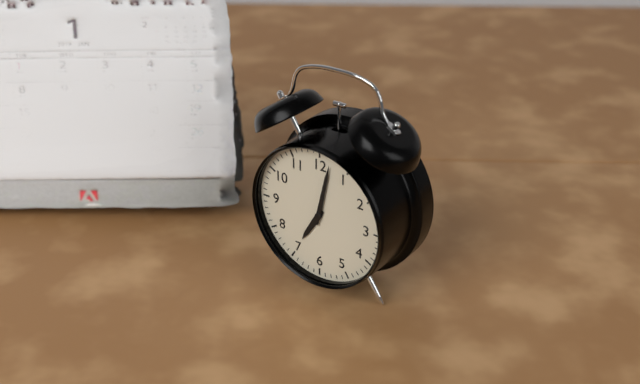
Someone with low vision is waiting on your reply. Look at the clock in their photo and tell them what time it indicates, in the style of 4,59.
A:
7,02
